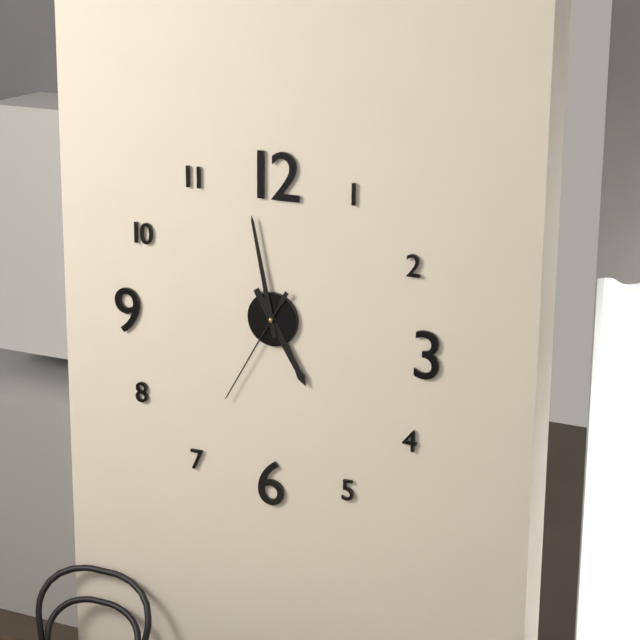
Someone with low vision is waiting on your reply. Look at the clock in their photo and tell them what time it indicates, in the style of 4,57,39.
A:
4,58,35
